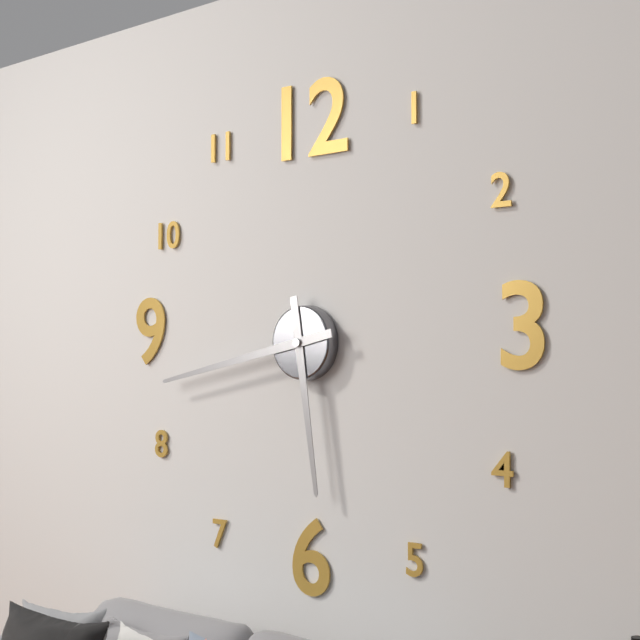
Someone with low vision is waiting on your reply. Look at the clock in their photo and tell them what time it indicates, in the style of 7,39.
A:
5,43
